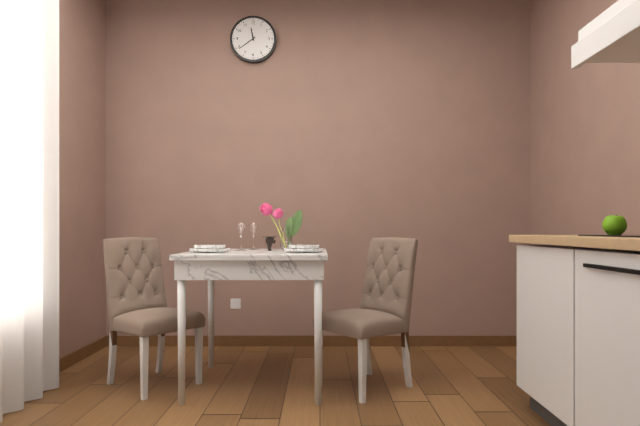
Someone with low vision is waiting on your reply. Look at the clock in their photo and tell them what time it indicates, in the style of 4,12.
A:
11,39
